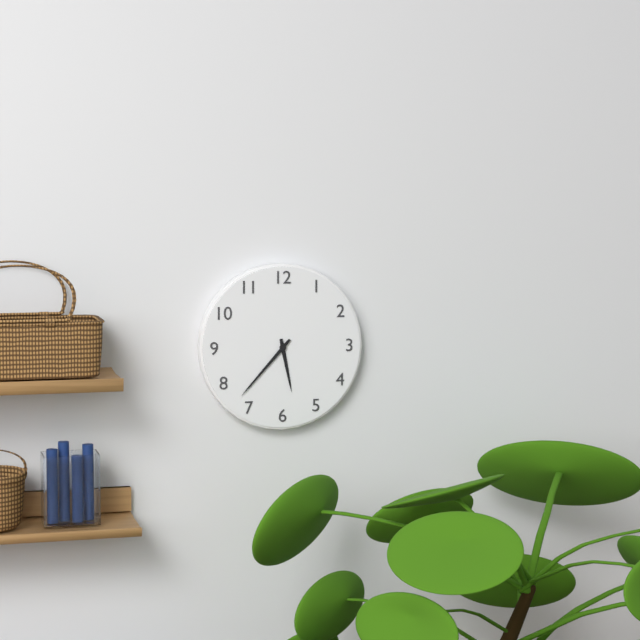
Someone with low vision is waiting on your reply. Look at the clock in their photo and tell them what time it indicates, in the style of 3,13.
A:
5,37
